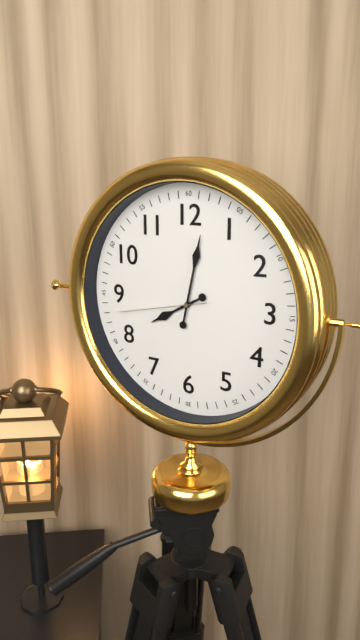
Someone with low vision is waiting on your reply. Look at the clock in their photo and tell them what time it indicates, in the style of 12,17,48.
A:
8,02,43
